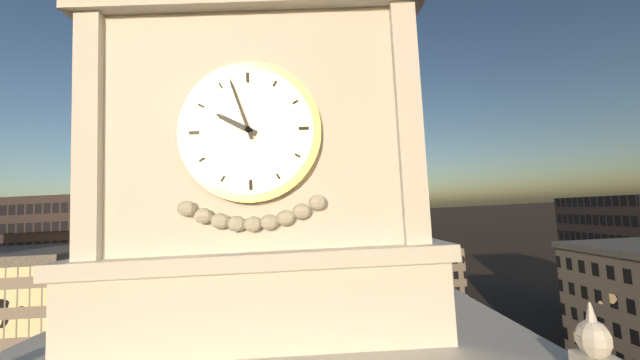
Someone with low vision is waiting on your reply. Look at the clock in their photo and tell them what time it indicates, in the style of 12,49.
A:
9,57
